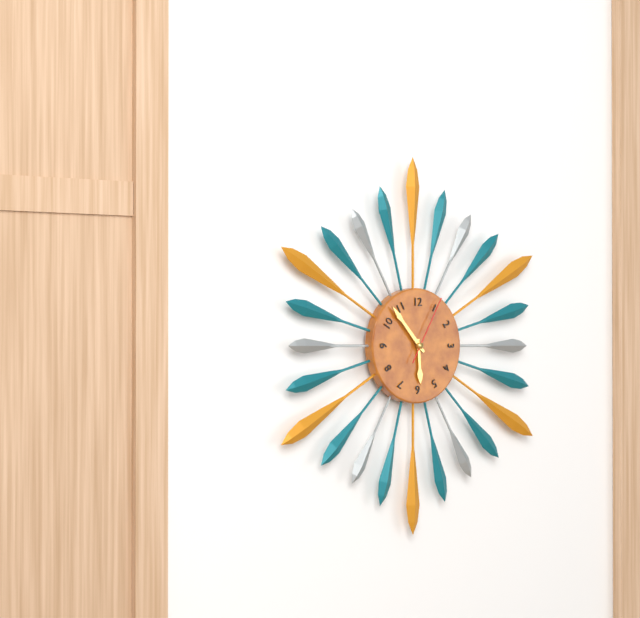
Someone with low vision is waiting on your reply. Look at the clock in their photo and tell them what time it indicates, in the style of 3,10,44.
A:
5,53,05
